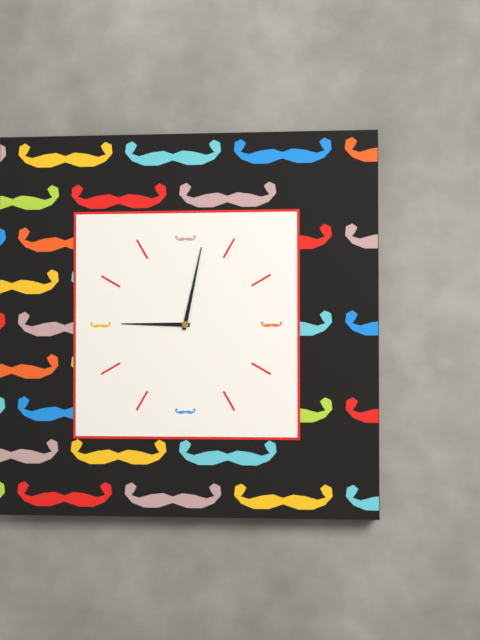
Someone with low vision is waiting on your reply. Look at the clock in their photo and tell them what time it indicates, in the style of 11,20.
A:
9,02
